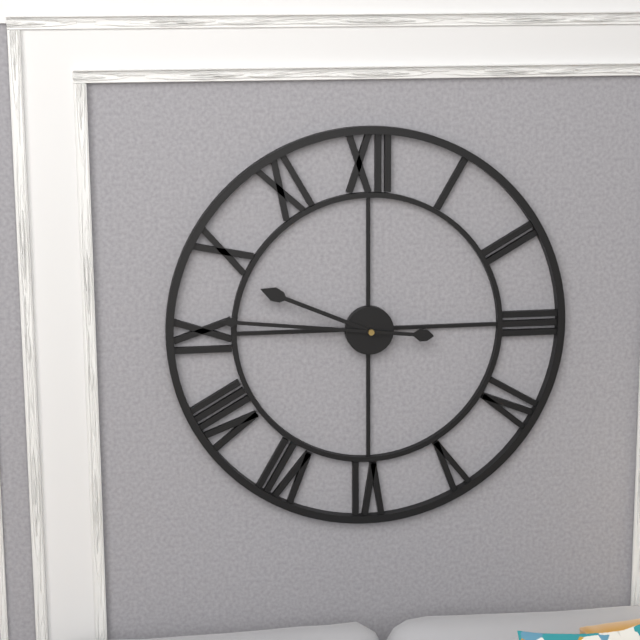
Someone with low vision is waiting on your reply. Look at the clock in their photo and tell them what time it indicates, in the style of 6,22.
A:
9,46
